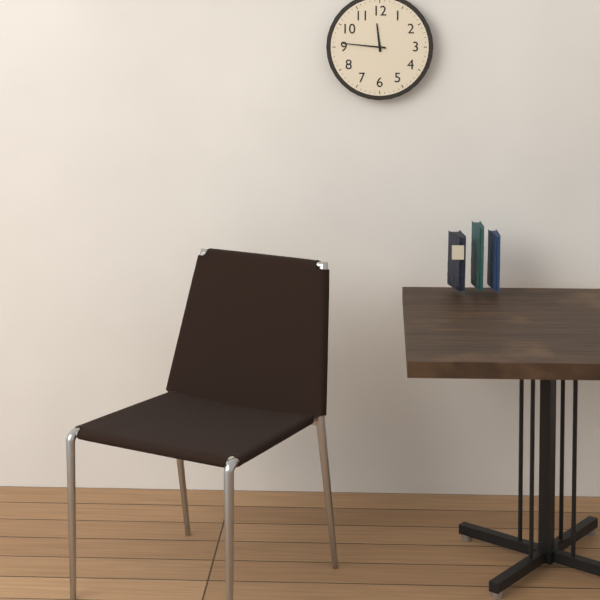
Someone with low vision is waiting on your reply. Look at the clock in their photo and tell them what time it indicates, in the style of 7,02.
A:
11,46
